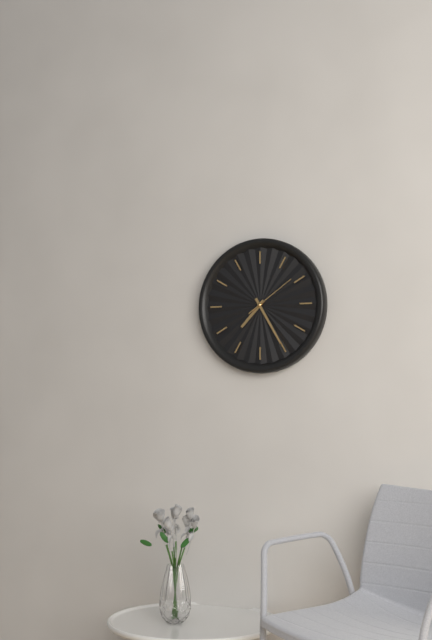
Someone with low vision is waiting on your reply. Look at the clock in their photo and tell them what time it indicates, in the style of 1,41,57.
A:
7,25,09
